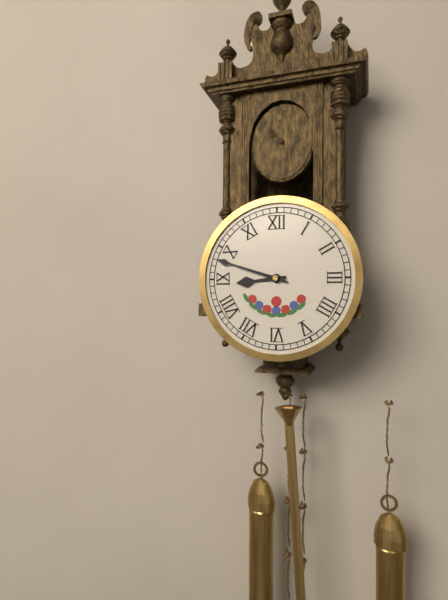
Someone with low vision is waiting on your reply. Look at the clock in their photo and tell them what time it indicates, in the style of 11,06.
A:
8,48
